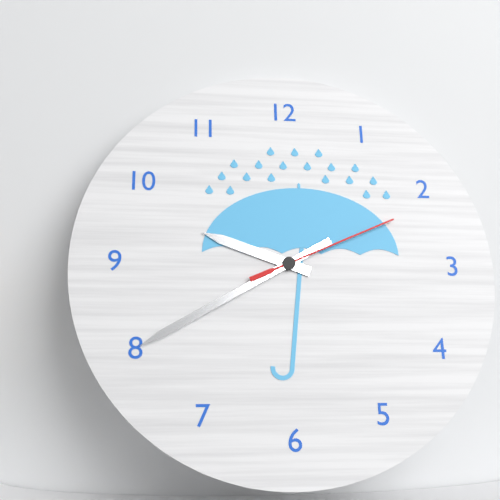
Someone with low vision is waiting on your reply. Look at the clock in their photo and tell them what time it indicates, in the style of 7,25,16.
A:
9,40,11
